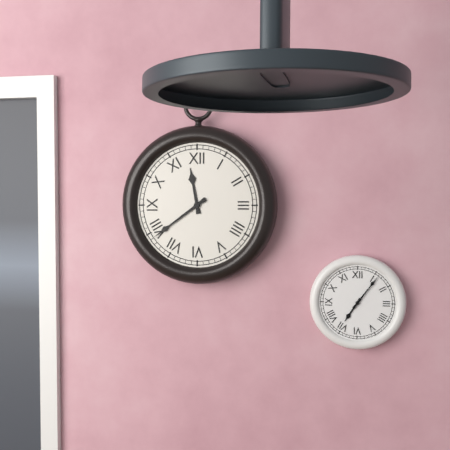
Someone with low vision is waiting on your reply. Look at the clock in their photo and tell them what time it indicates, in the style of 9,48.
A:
11,39
